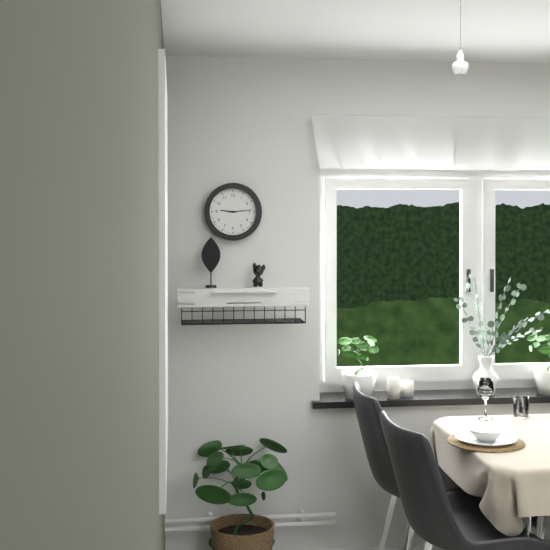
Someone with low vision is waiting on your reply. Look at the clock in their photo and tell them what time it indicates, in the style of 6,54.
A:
9,14
